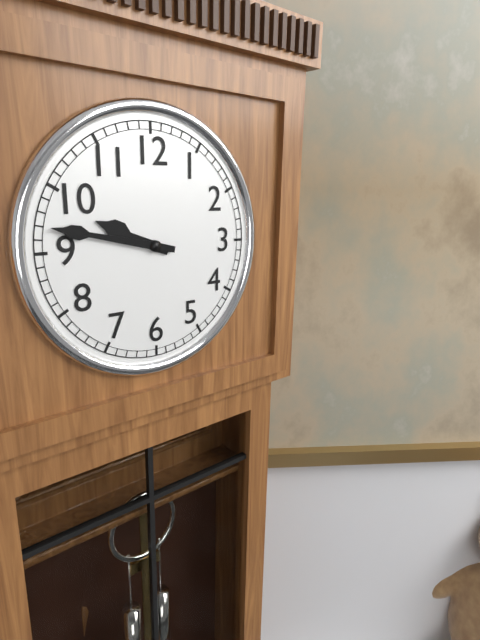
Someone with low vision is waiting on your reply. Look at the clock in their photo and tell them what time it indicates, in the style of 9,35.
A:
9,47
